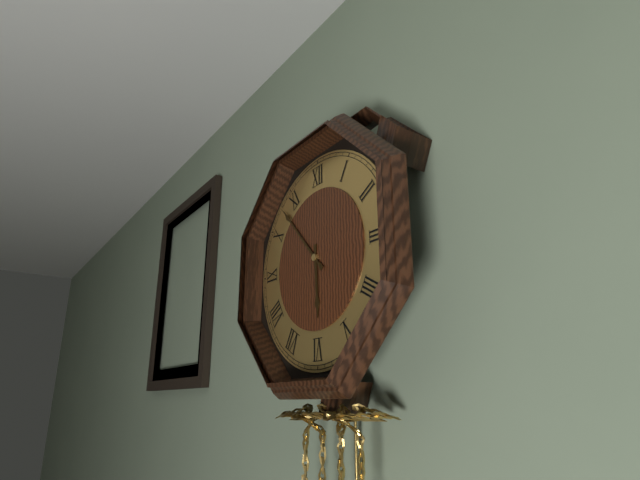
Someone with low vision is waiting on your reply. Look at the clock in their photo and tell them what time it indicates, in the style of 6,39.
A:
5,53
